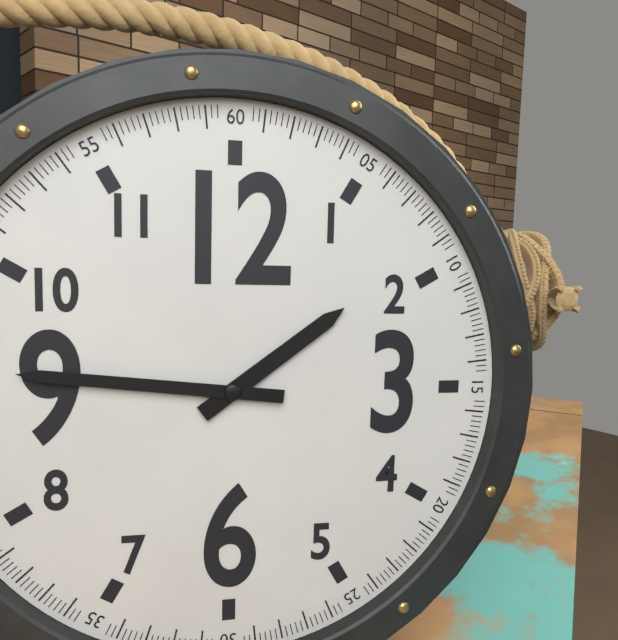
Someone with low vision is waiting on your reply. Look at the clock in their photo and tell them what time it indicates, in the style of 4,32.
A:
1,46
